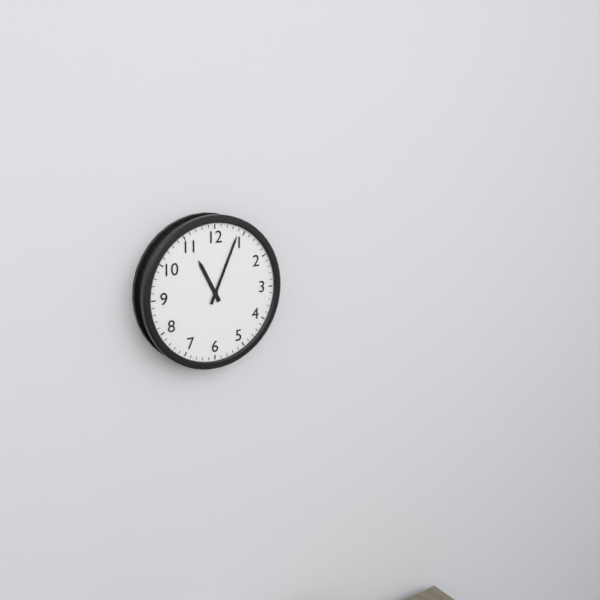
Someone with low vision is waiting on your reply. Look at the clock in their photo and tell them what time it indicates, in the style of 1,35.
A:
11,04
